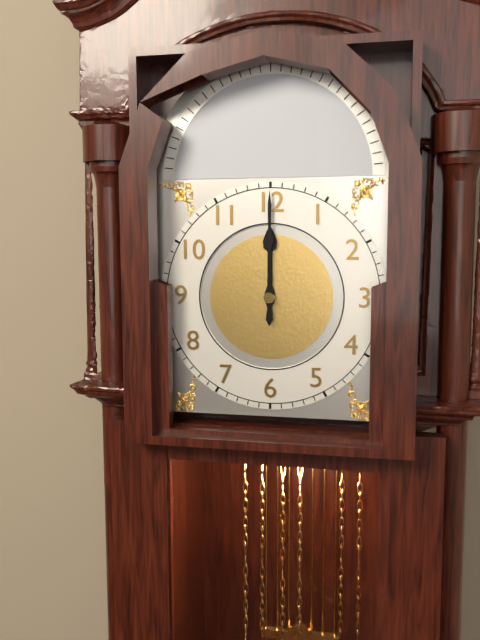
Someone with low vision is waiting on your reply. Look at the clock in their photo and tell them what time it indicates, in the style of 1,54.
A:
12,00
